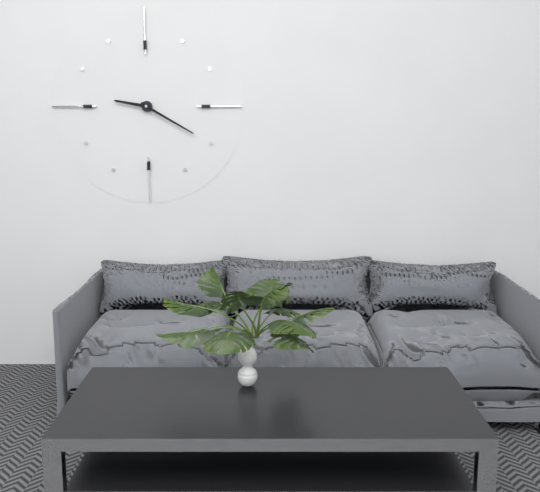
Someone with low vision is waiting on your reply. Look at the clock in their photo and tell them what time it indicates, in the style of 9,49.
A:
9,20
